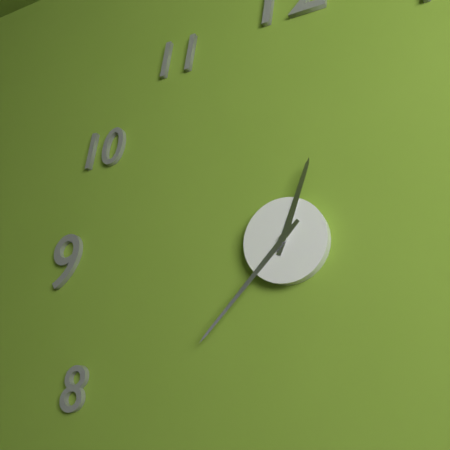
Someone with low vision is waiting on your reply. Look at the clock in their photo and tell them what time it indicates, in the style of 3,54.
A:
12,37
